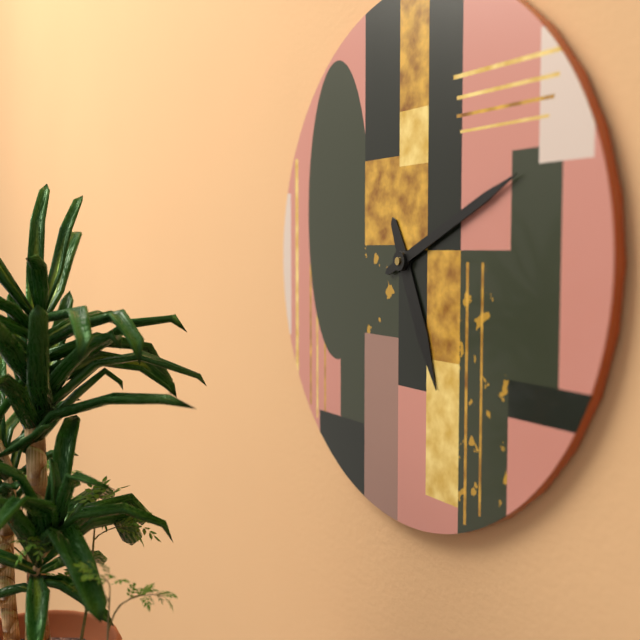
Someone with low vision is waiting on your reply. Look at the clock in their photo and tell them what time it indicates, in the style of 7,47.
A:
5,11
